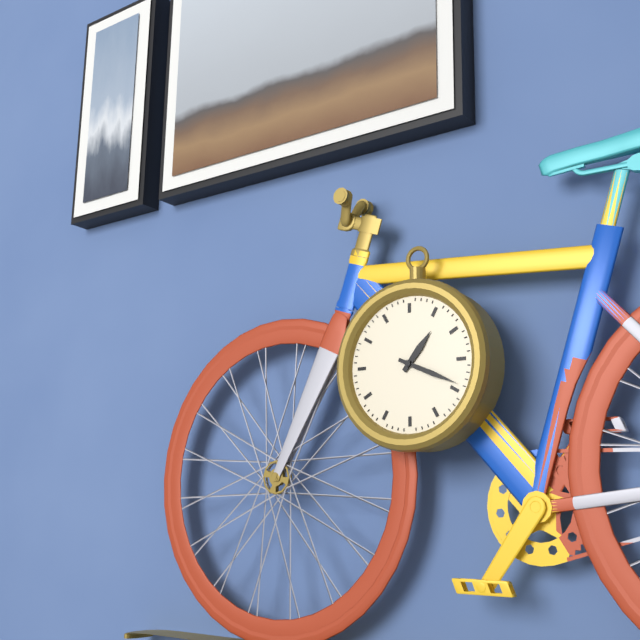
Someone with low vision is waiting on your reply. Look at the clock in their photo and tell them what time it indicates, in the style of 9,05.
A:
1,19
